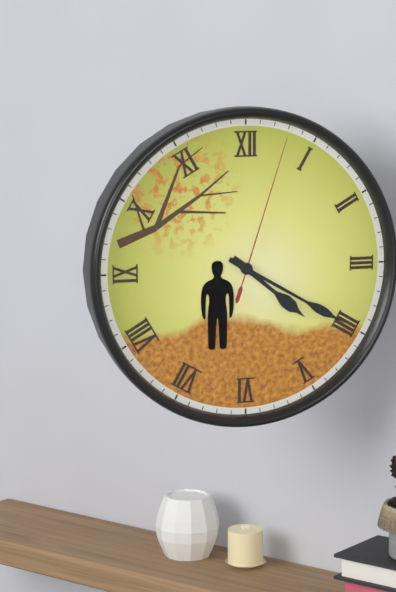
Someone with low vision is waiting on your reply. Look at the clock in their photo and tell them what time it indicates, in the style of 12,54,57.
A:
4,20,03
